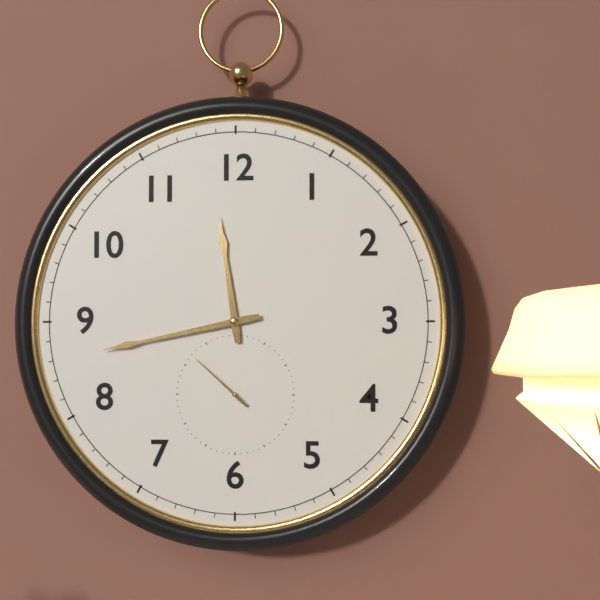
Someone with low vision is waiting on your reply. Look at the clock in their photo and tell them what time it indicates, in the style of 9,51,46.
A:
11,43,52
